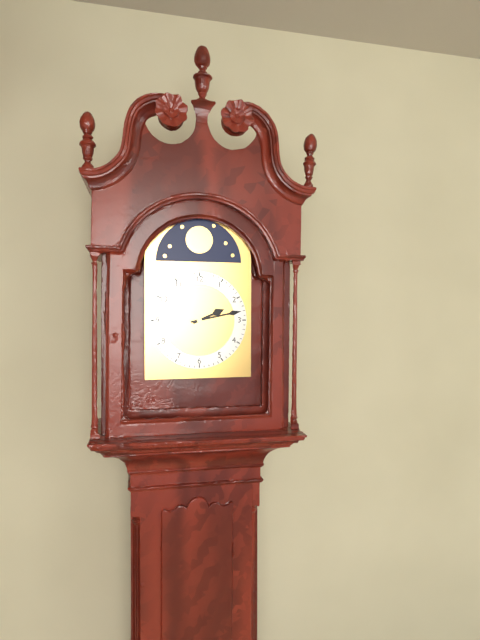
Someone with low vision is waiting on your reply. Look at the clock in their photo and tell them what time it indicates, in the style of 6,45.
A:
2,13
